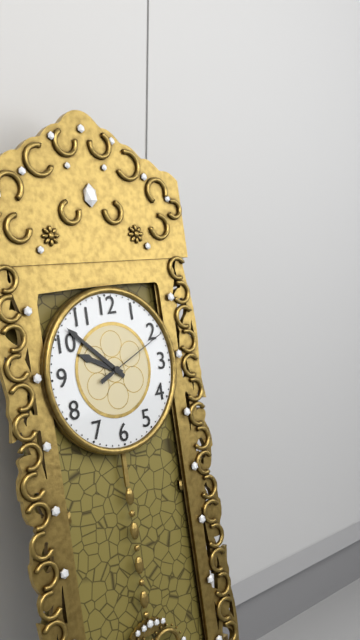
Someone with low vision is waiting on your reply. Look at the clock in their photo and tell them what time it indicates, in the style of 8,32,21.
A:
9,52,11
